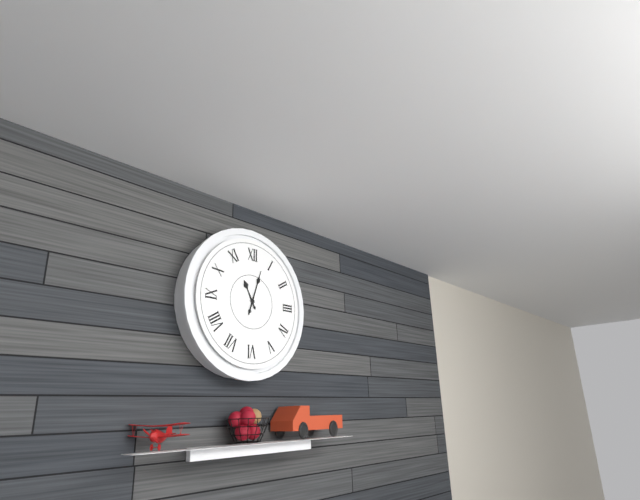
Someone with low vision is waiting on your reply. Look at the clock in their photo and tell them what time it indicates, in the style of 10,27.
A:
11,03
